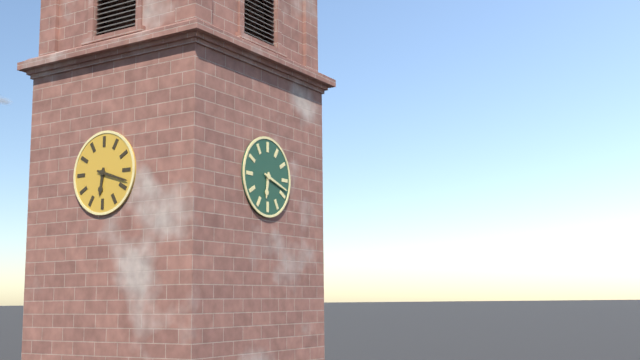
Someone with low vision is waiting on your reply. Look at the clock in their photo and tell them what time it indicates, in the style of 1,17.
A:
6,18
